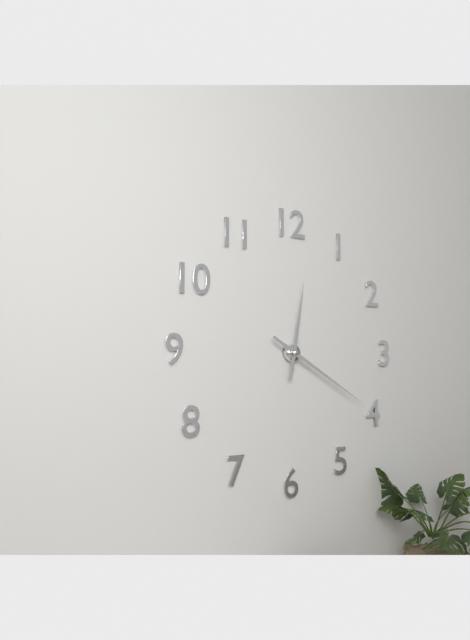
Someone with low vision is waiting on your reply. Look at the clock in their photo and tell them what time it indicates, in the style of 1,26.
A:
12,20
